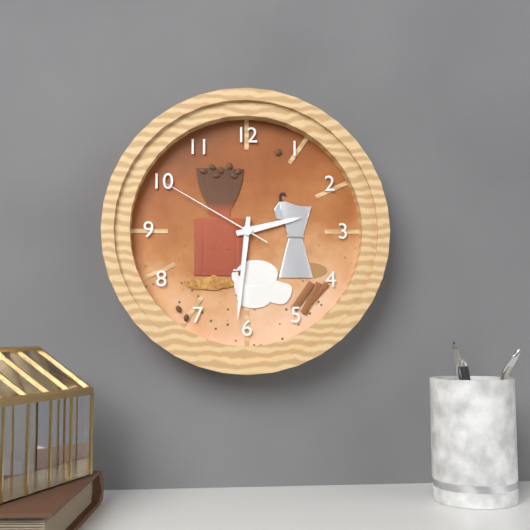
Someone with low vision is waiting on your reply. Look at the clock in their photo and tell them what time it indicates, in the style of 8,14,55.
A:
2,31,50
